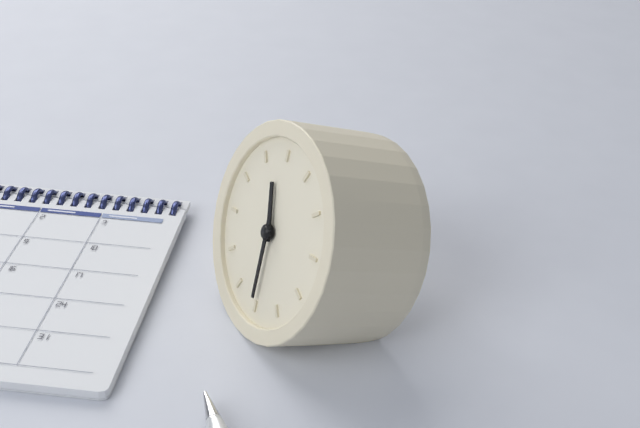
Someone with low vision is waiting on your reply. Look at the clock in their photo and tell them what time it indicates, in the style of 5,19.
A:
11,30
